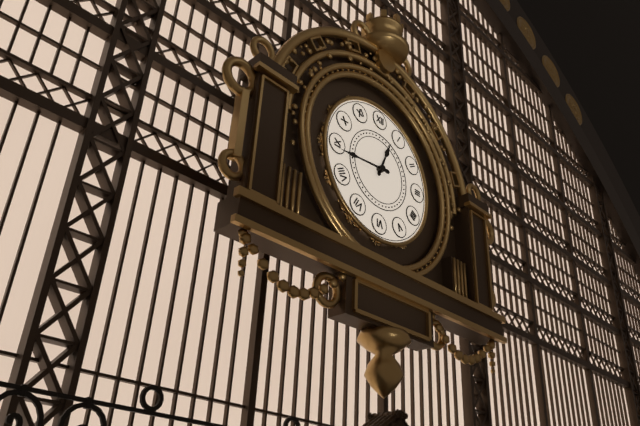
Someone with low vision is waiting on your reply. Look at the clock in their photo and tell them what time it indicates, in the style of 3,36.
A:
12,44
